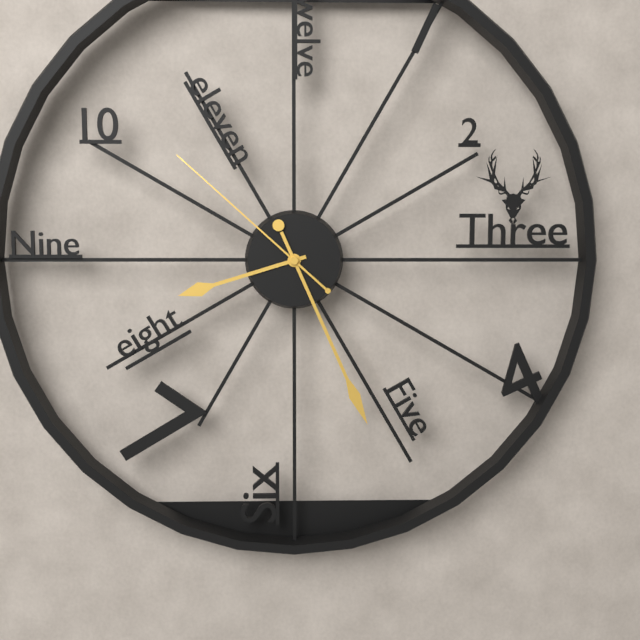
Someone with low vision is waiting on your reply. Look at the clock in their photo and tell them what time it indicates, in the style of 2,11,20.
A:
8,26,52
